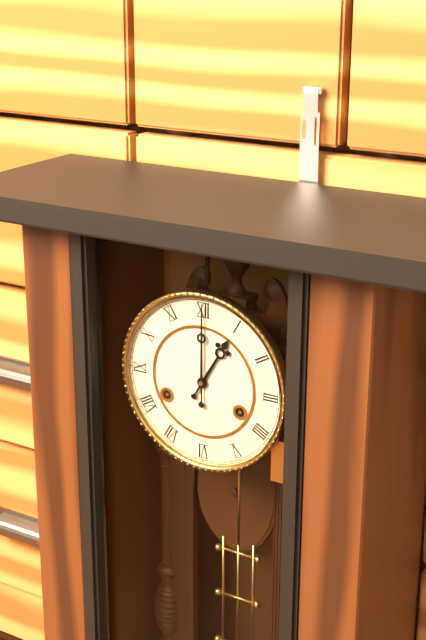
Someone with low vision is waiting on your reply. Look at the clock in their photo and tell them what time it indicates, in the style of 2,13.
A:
1,00
